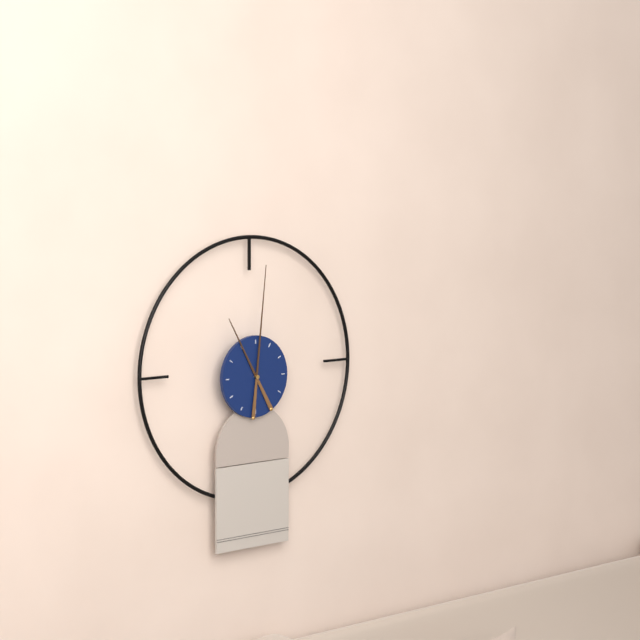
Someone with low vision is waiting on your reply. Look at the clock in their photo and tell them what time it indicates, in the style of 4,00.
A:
11,01
